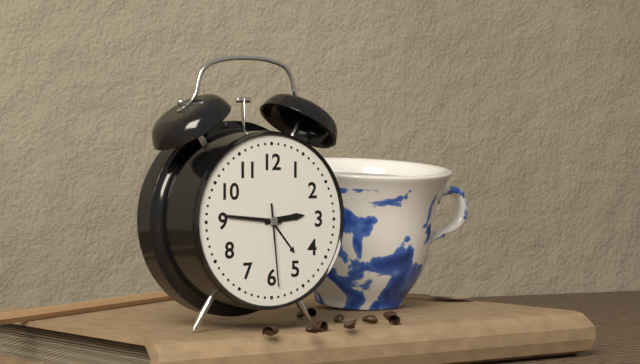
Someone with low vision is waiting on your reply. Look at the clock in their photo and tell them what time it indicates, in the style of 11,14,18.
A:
2,46,29
